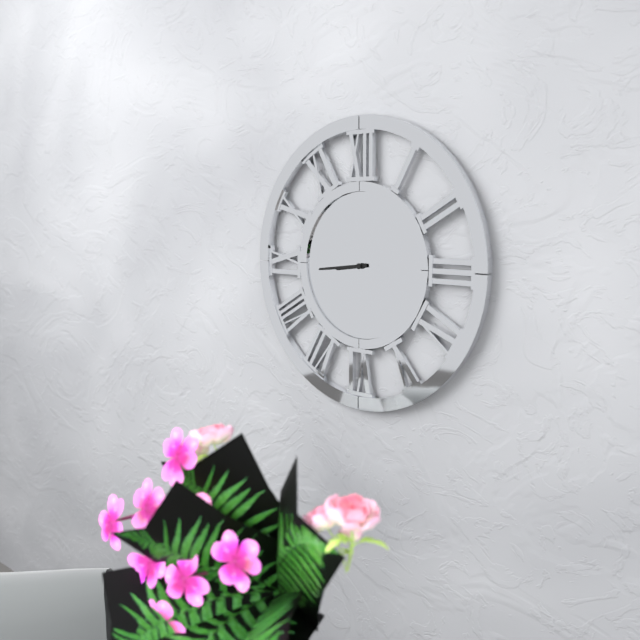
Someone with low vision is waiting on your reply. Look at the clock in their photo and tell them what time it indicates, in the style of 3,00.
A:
8,44
